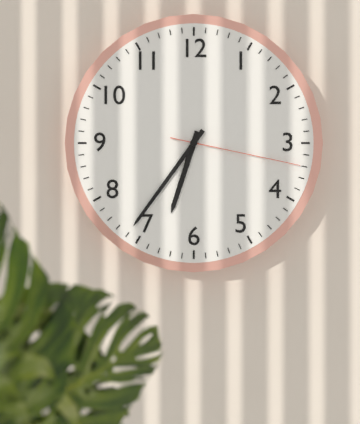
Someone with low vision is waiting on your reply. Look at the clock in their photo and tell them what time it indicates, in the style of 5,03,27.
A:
6,36,17
